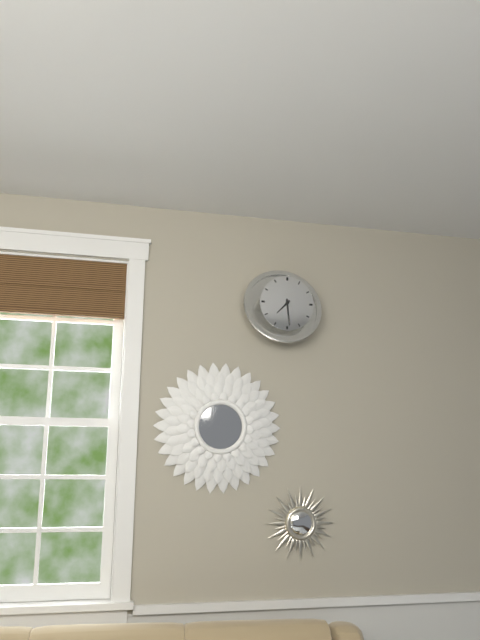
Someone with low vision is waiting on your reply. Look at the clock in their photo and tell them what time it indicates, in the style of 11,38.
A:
7,29
